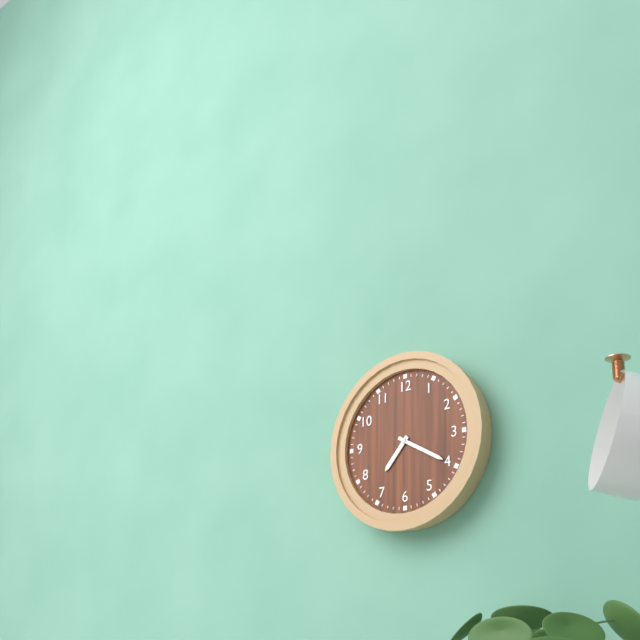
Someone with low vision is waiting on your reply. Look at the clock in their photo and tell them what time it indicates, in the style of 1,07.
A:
7,20
